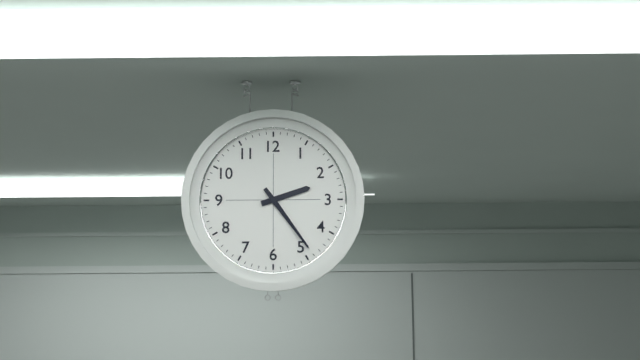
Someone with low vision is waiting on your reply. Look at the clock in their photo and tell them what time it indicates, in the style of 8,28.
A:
2,24
